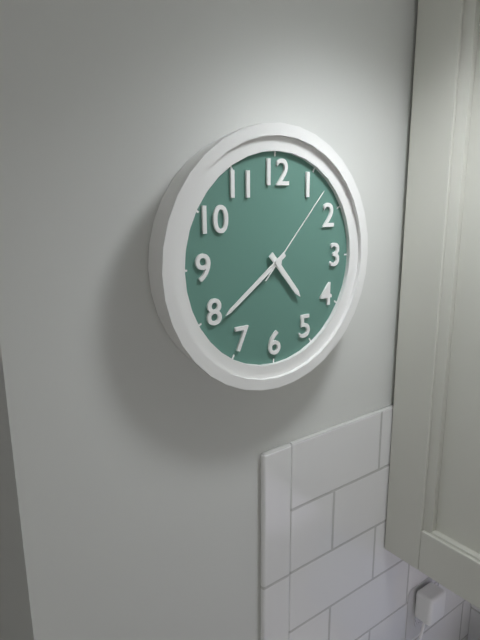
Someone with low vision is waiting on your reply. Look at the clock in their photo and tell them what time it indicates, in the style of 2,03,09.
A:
4,39,07
